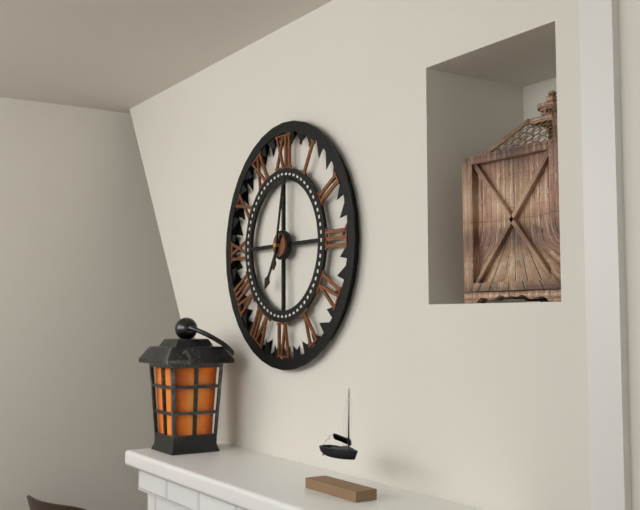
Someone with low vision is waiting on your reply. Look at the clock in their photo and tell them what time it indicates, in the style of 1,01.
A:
7,02
